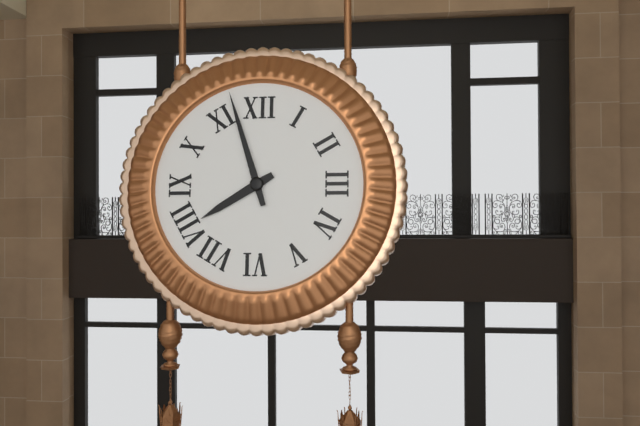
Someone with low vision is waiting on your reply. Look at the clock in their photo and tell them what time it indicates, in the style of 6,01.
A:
7,57
